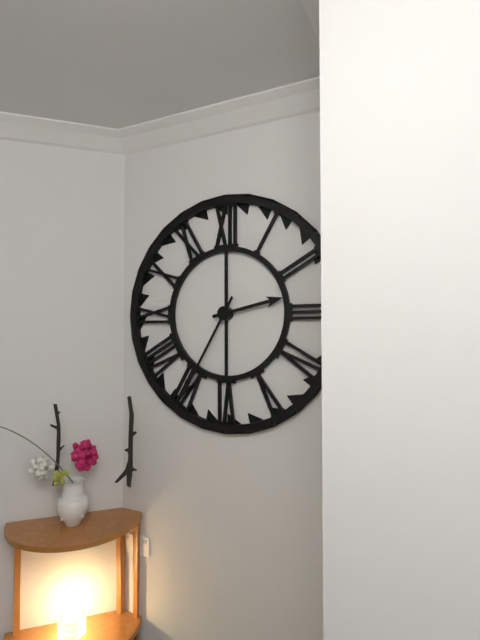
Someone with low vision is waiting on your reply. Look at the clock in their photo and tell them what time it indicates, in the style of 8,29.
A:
2,35
